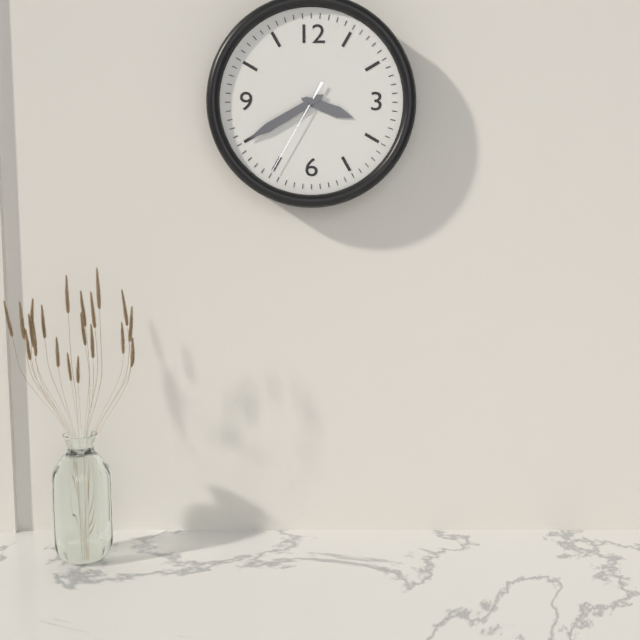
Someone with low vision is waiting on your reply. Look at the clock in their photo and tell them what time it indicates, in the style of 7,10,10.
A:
3,40,35
